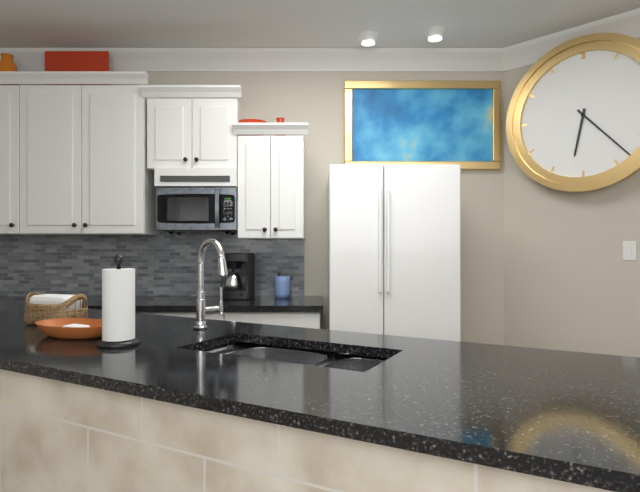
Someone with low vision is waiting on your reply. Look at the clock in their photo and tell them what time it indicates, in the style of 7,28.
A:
6,23
